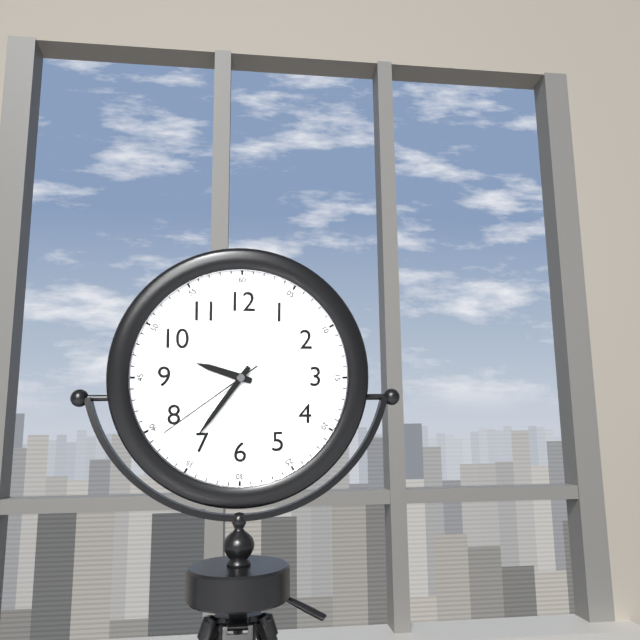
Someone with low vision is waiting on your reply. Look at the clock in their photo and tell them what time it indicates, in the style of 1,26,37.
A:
9,36,39
